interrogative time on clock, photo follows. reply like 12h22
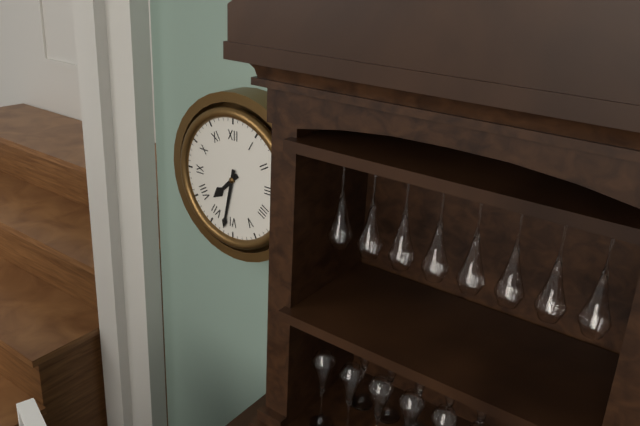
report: 7h32
